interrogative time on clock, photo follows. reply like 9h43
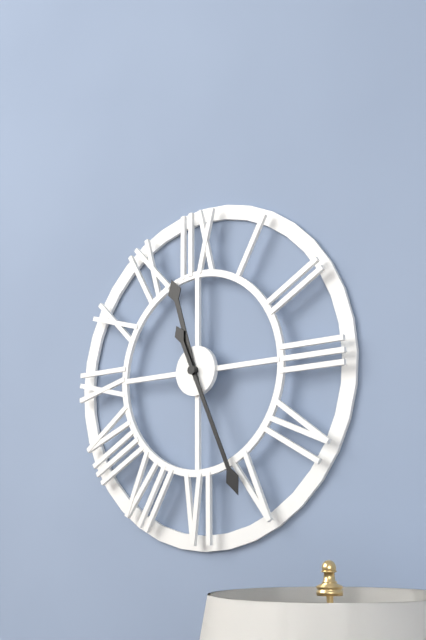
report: 11h26
